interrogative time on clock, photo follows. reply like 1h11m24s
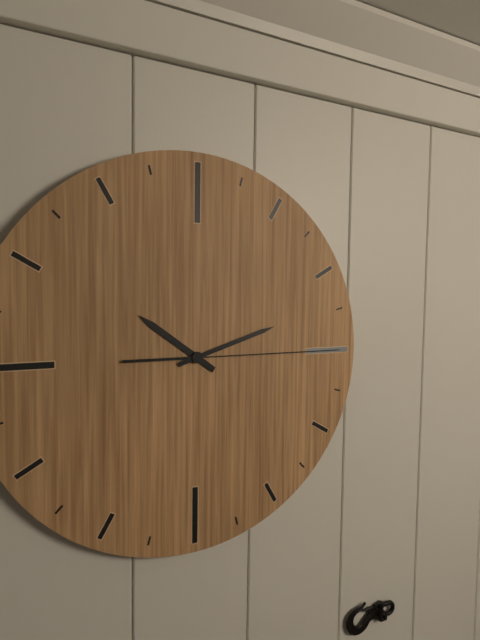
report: 10h12m15s
